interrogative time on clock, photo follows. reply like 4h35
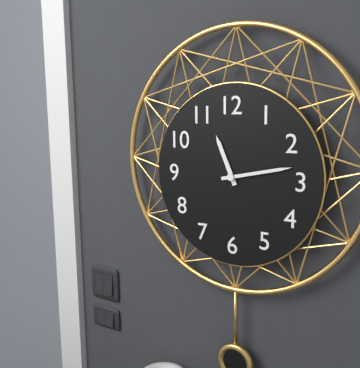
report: 11h13
